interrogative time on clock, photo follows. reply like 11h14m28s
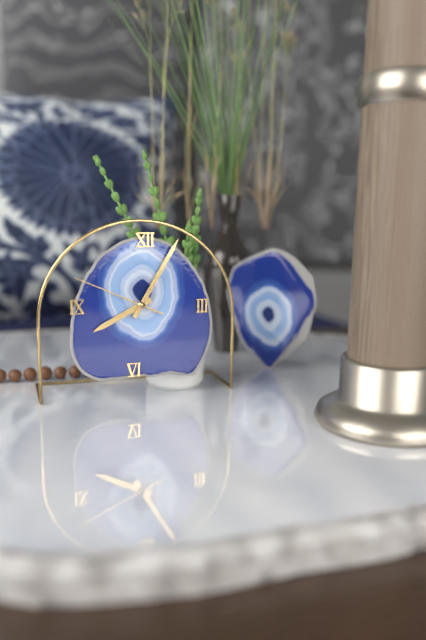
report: 8h05m49s
